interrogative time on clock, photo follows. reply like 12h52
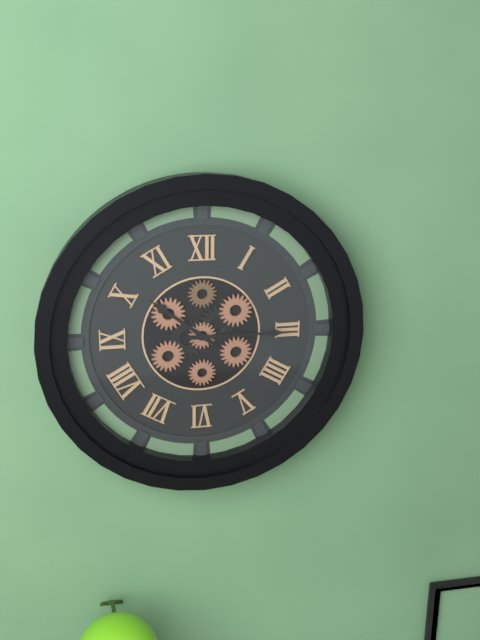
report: 10h15
